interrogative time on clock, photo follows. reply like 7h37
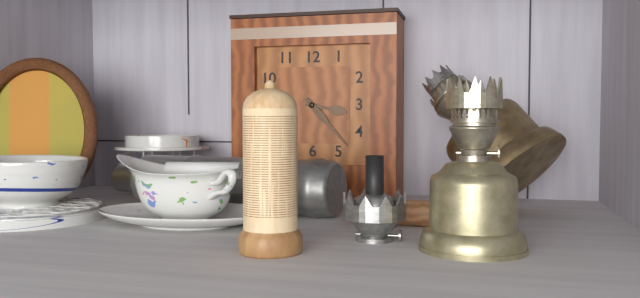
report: 3h23
